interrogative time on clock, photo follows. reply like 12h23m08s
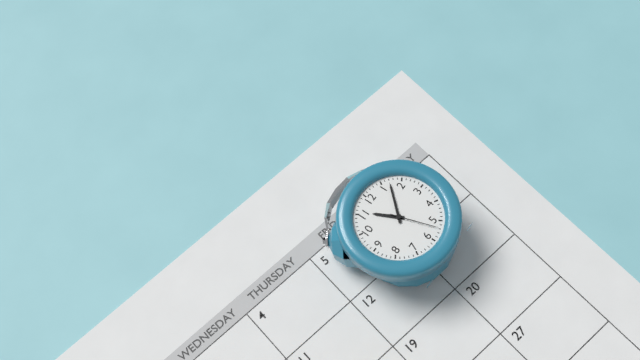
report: 11h07m27s
